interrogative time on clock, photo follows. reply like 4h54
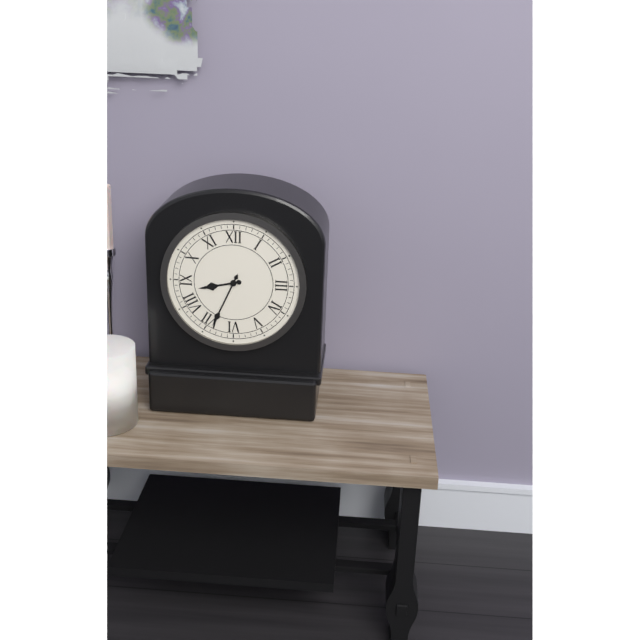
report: 8h34
